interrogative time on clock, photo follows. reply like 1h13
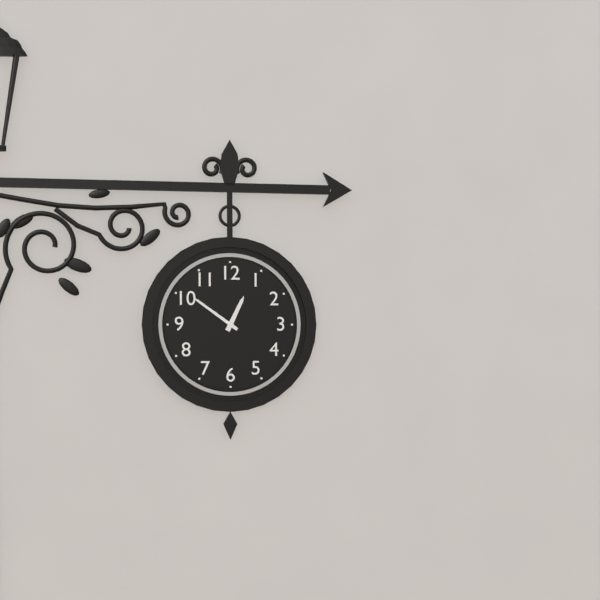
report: 12h51
